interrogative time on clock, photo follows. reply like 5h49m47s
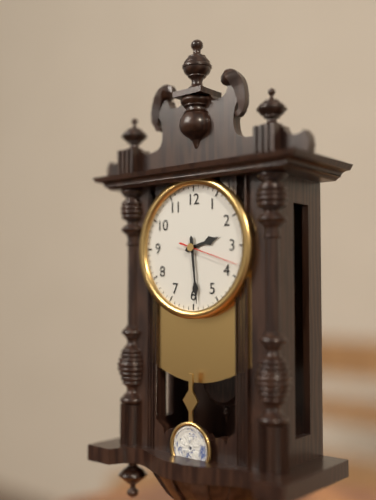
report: 2h29m18s
